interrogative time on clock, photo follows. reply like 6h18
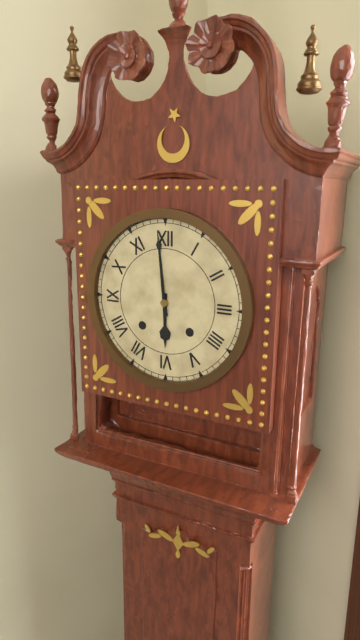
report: 5h59
